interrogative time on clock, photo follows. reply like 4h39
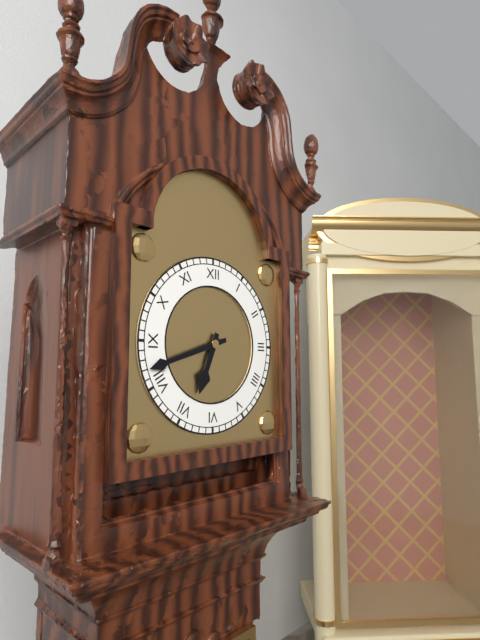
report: 6h42
